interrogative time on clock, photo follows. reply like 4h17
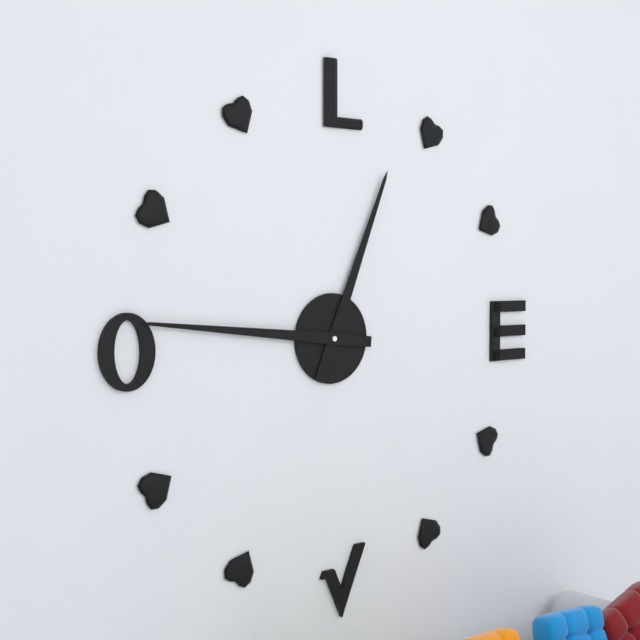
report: 12h46
